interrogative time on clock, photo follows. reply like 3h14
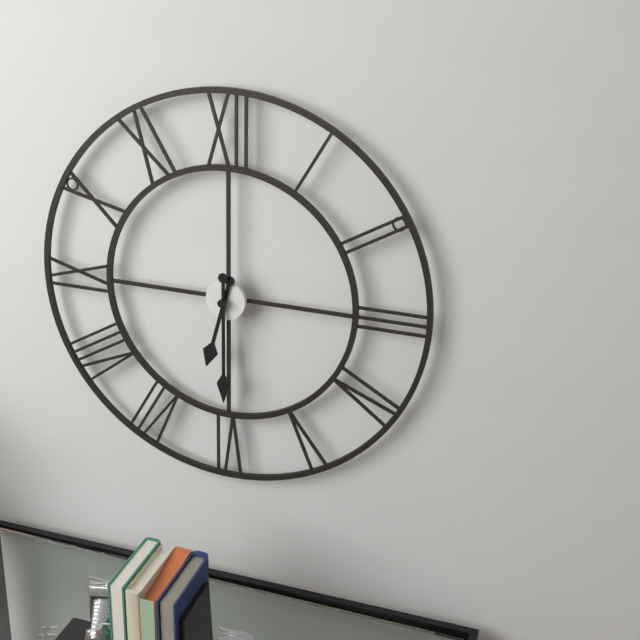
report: 6h30
